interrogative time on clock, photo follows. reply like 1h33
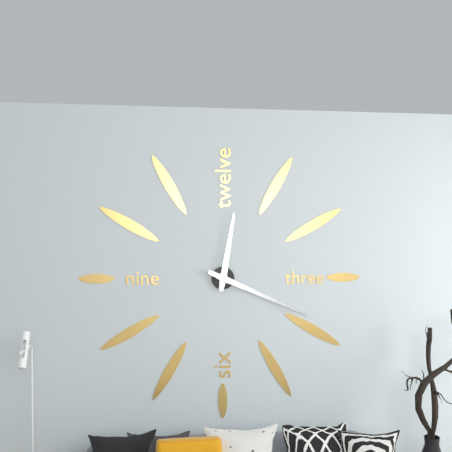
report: 12h19
